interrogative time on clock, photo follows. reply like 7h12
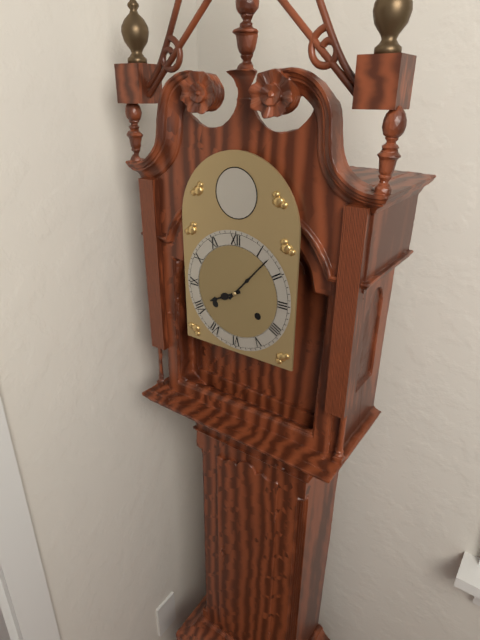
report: 8h07
